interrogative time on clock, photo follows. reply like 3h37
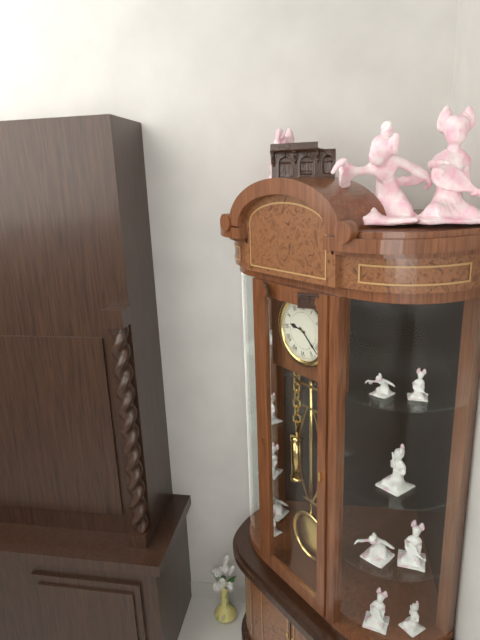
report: 9h22
